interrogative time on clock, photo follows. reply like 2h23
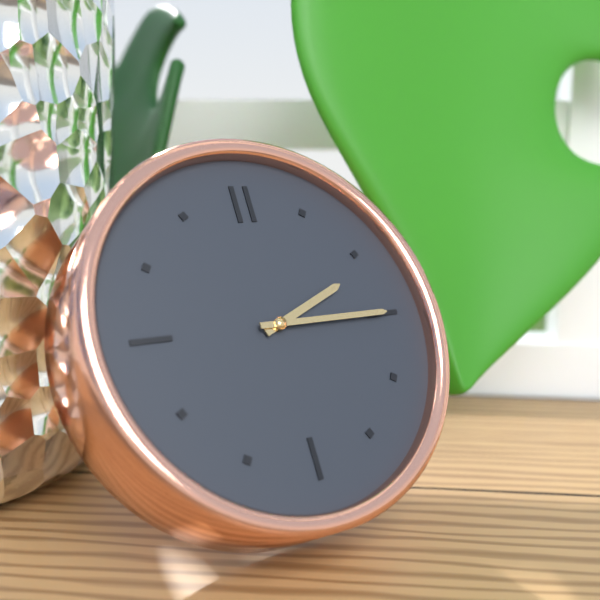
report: 2h15
